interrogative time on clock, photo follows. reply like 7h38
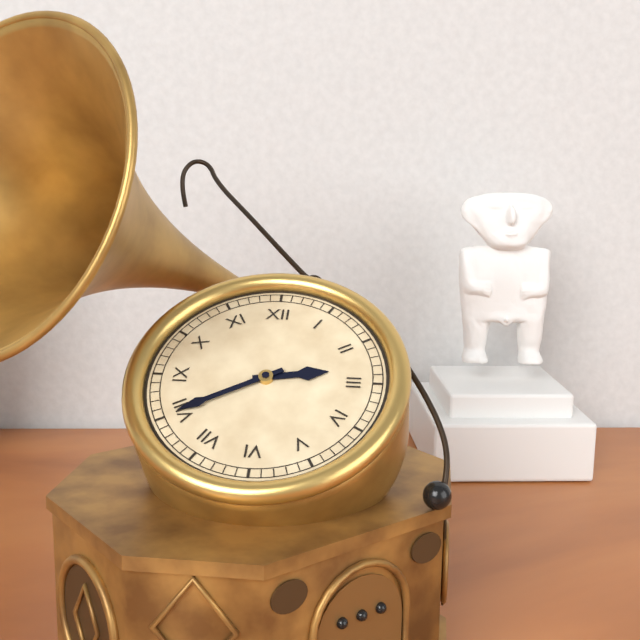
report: 2h40
